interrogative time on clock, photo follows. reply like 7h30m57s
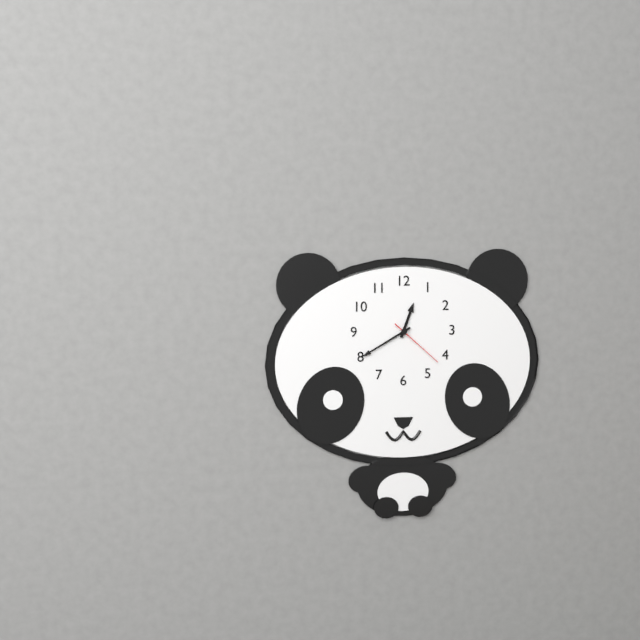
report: 12h40m22s
